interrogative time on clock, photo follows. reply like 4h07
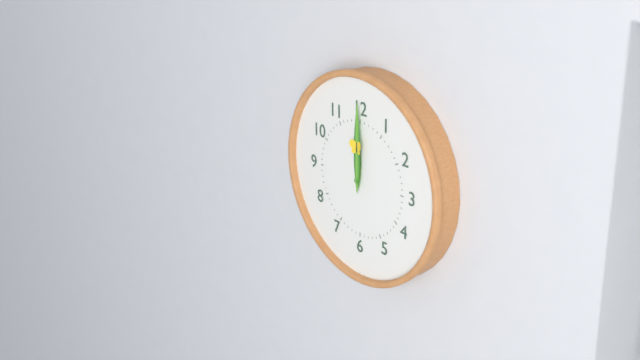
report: 12h00
